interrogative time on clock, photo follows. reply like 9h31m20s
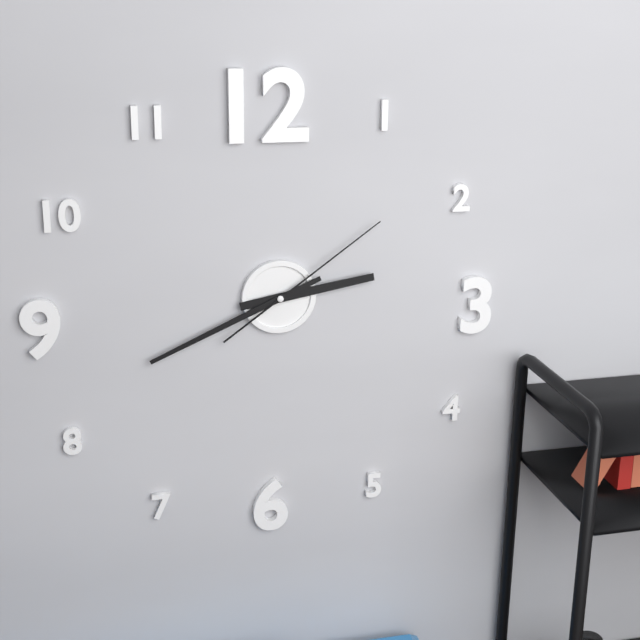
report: 2h41m09s
